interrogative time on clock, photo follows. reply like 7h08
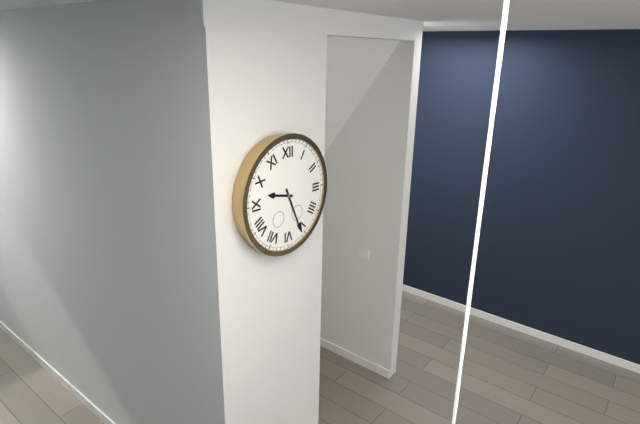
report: 9h26
